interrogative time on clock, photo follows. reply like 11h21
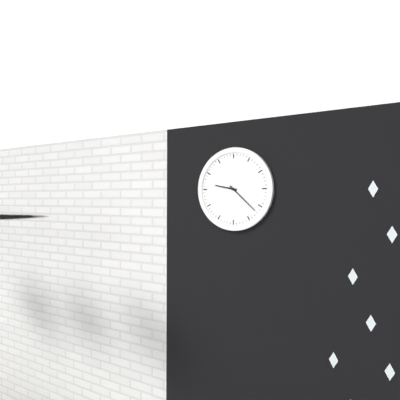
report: 9h22
